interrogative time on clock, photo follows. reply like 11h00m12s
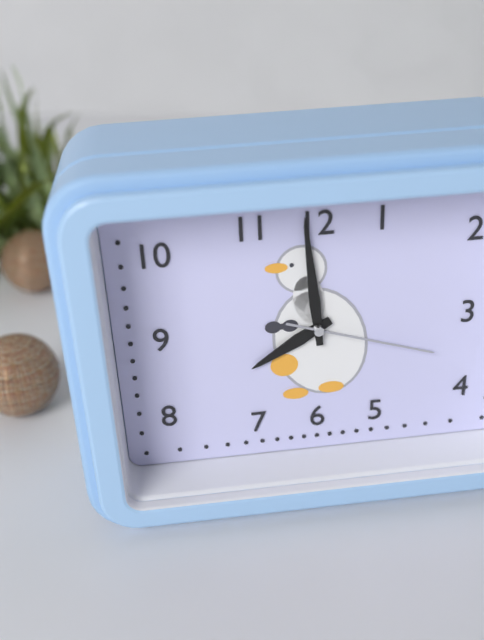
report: 7h59m18s
